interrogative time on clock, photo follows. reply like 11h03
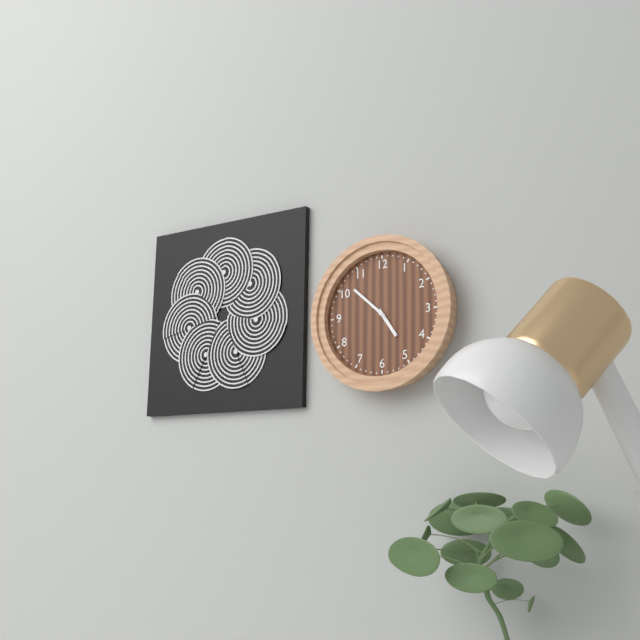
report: 4h52
